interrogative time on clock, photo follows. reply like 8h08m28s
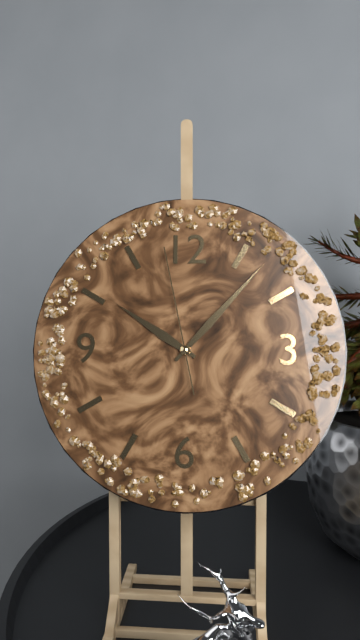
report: 10h07m58s
